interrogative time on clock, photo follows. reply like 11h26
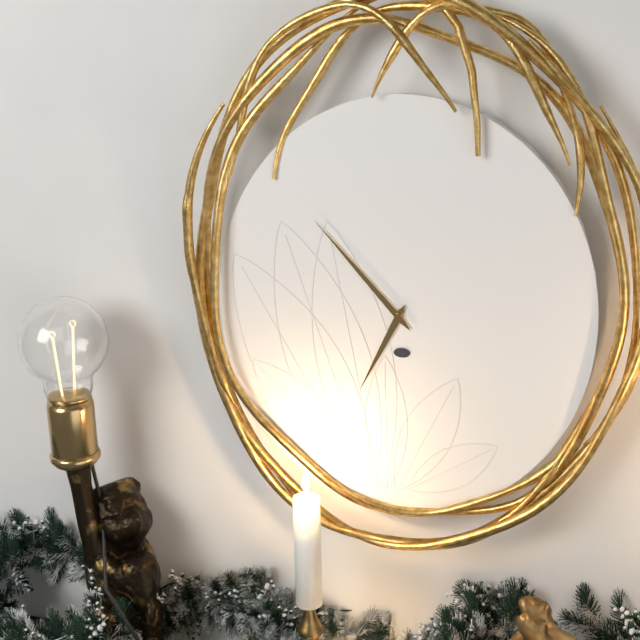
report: 6h53
